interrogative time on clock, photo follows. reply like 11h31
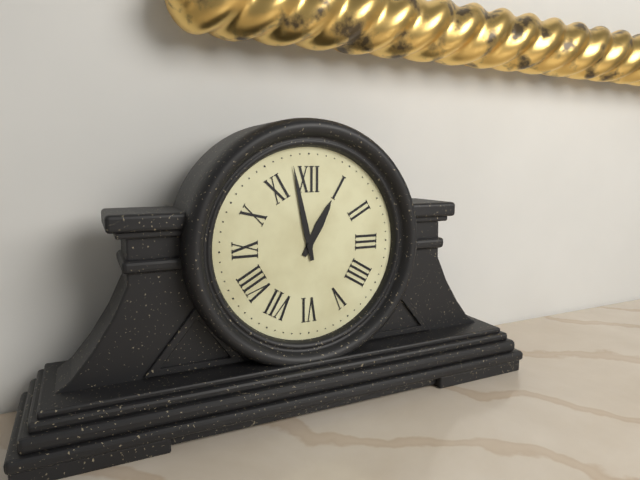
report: 12h58
